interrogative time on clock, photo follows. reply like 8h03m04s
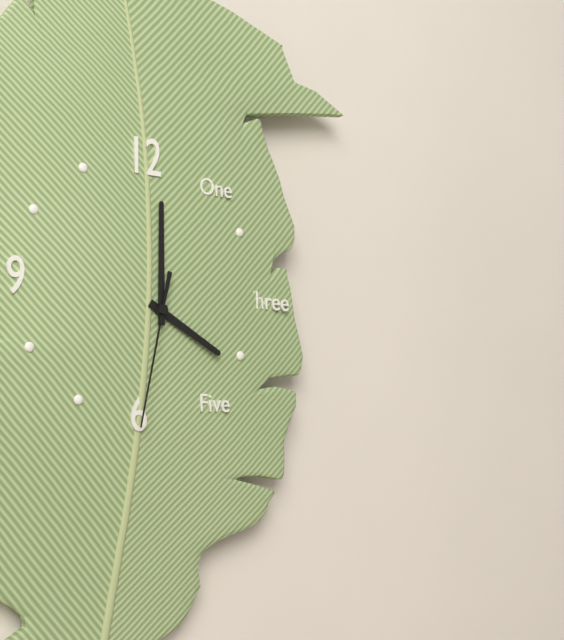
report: 4h00m32s
